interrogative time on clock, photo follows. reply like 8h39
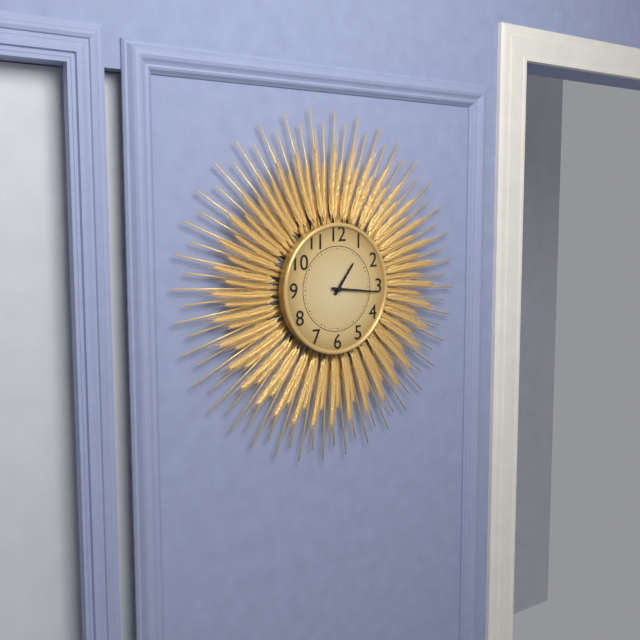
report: 1h16
